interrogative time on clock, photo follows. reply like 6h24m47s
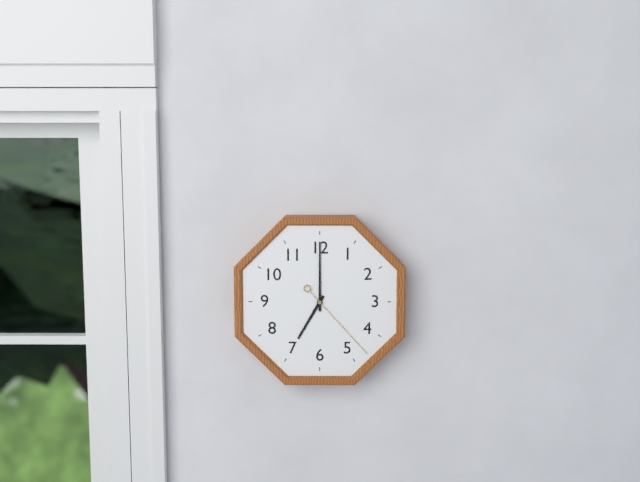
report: 7h00m23s
